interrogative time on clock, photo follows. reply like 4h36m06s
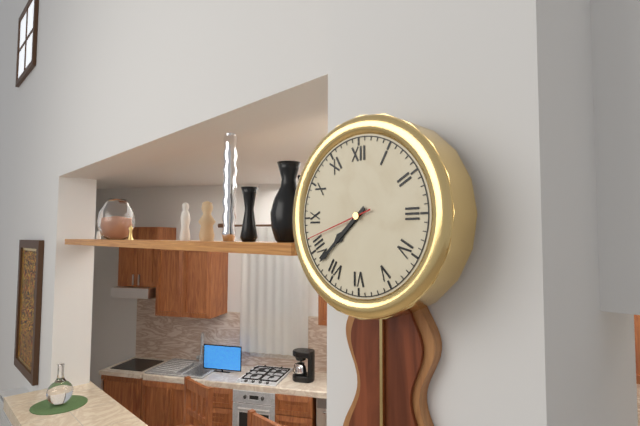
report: 7h38m42s
